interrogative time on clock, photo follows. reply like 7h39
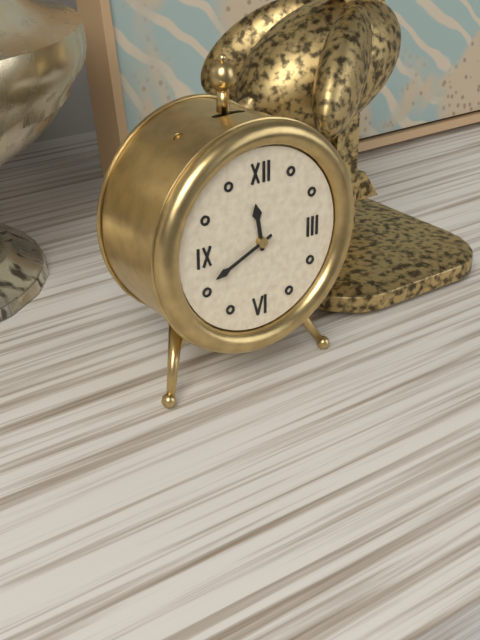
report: 11h41
